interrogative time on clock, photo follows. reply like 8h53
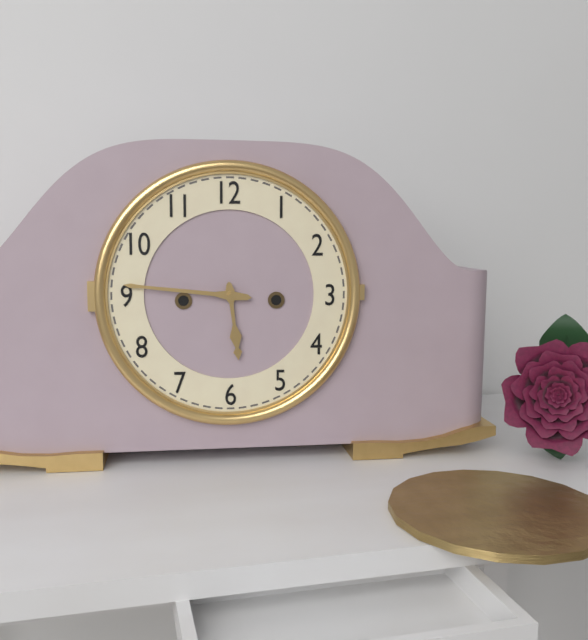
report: 5h46
